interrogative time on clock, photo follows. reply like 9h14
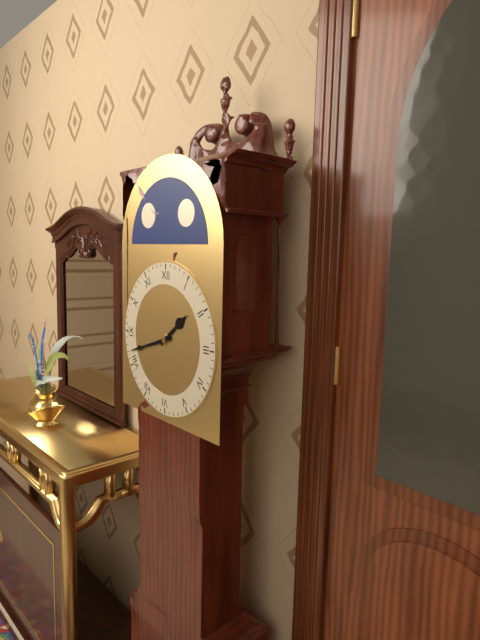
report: 1h42
